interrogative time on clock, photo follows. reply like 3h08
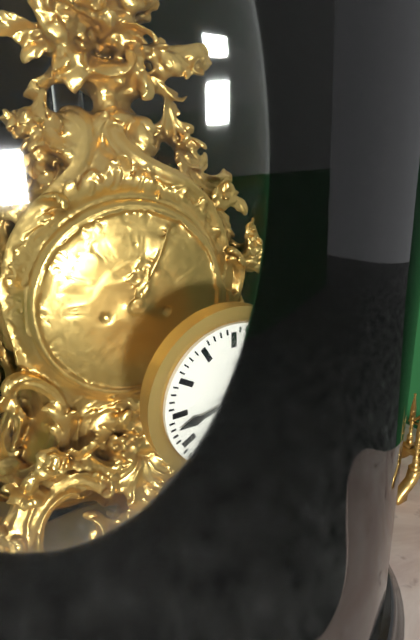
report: 12h43
